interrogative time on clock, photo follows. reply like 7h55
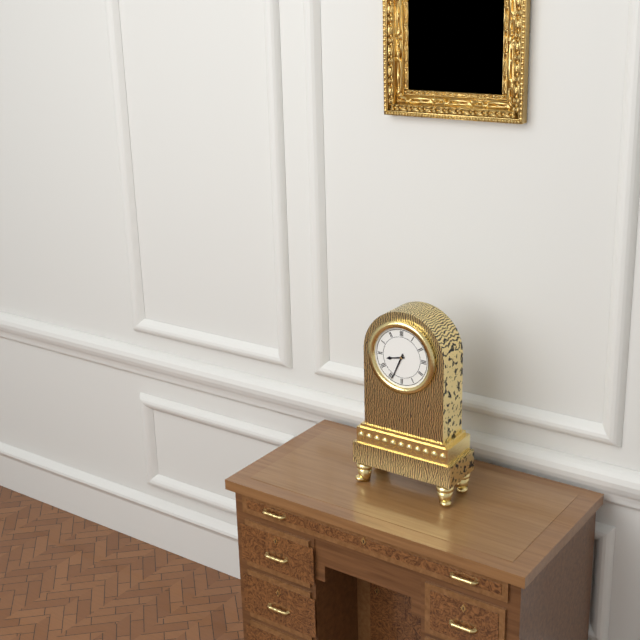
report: 8h34
